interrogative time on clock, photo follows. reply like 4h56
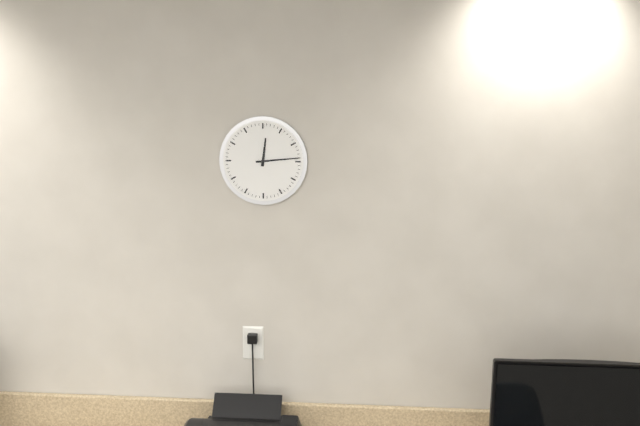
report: 12h14
